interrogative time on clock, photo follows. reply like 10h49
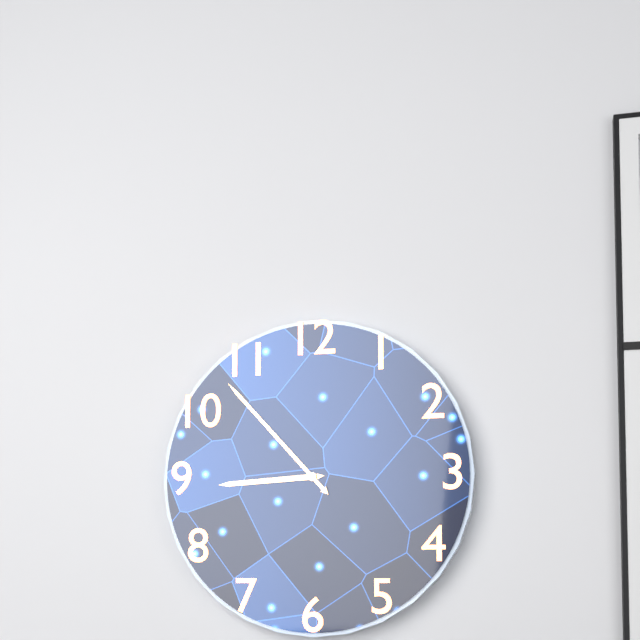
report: 8h53
